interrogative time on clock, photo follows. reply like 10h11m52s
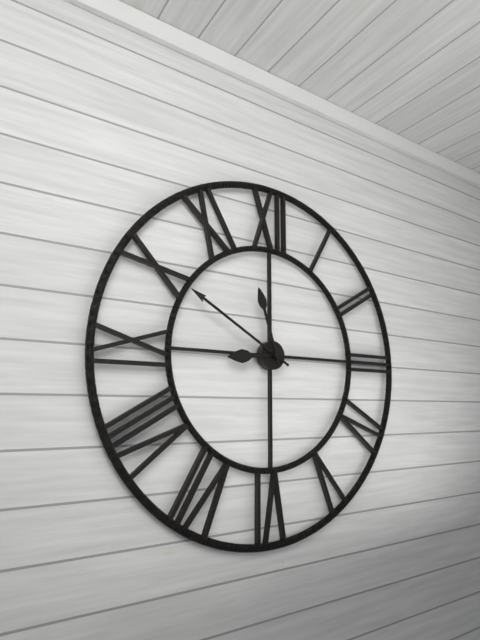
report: 8h50m57s
